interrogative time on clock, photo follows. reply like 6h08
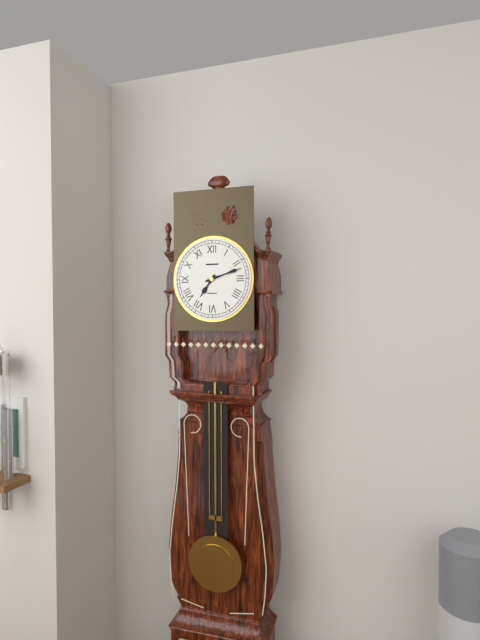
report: 7h12
